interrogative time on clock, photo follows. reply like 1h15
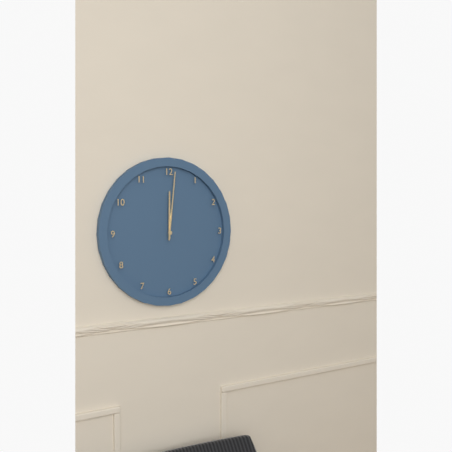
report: 12h01
